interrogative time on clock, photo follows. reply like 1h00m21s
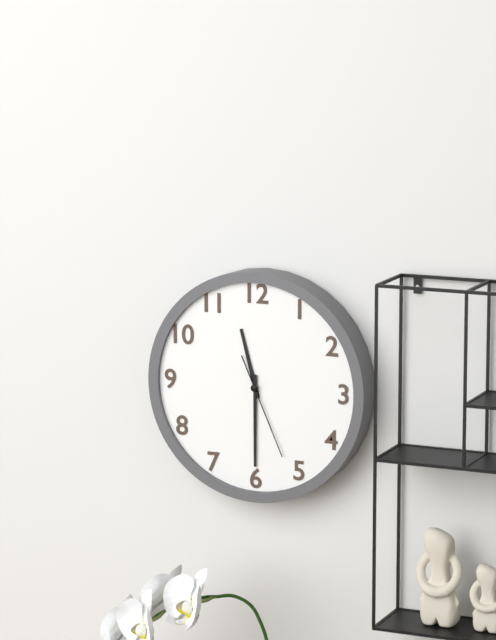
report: 11h30m26s
